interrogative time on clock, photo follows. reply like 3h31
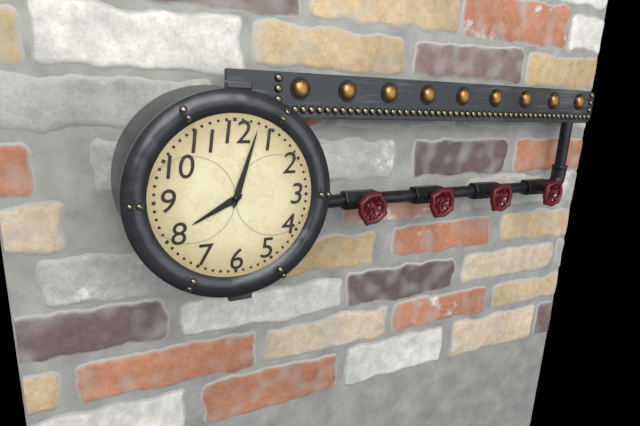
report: 8h03
